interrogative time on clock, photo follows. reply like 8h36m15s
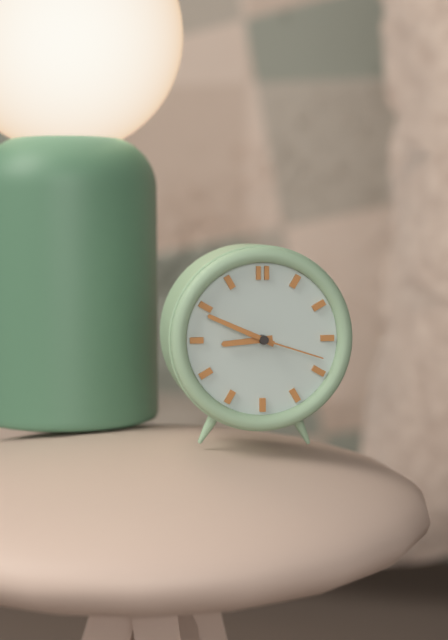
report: 8h49m18s
